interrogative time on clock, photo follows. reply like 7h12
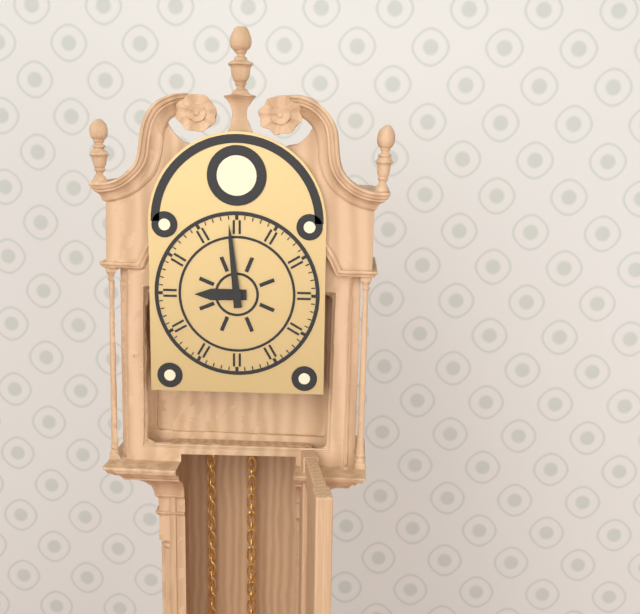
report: 8h59
